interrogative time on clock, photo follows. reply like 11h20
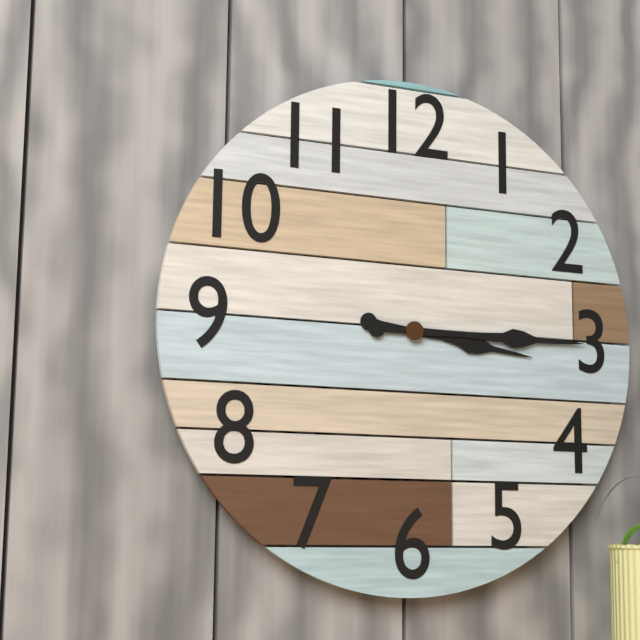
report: 3h15
